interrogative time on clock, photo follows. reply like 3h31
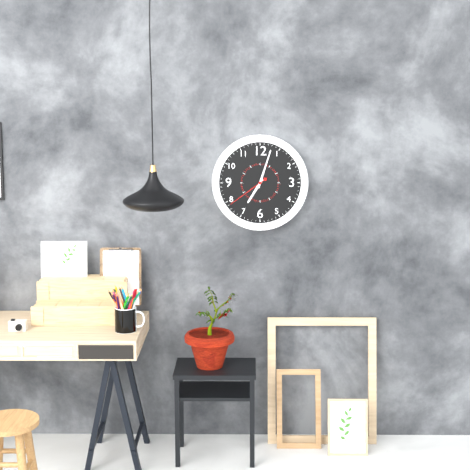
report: 7h03
